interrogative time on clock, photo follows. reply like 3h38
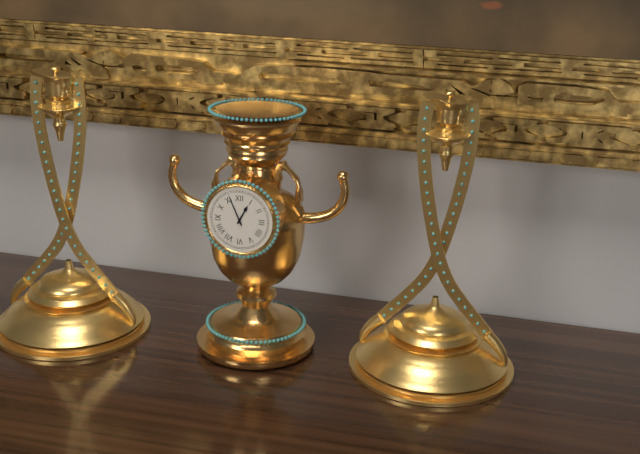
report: 12h56
